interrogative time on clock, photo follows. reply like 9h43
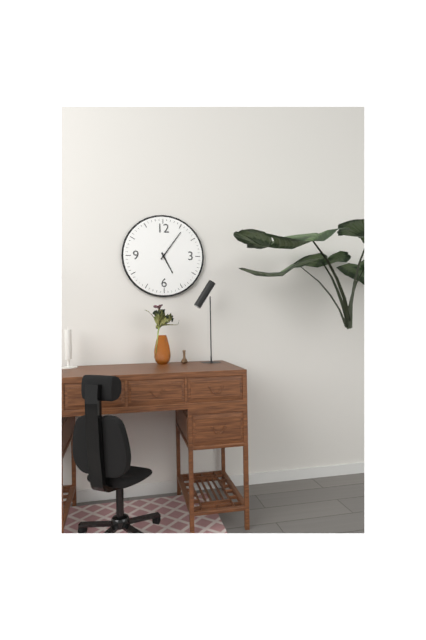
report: 5h06
